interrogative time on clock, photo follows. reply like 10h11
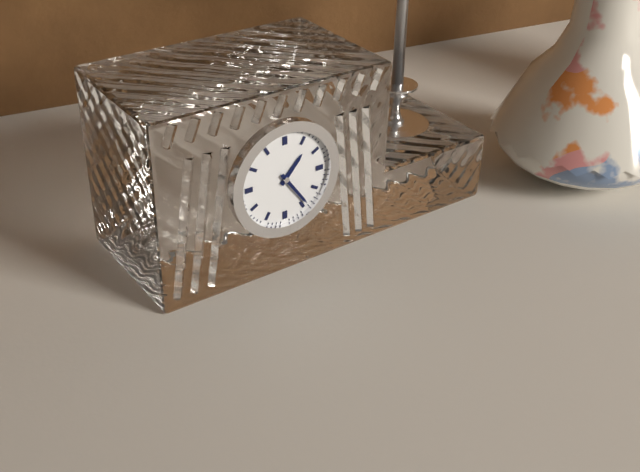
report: 1h24
